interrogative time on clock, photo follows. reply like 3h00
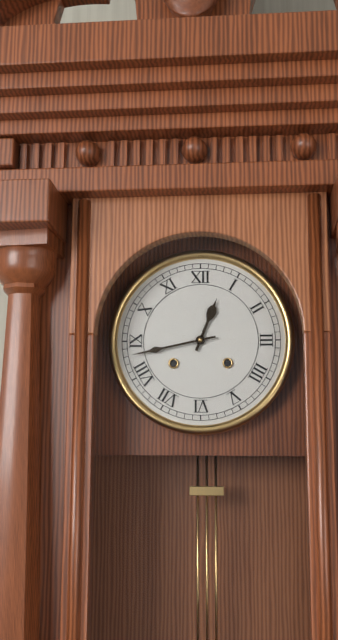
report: 12h43
